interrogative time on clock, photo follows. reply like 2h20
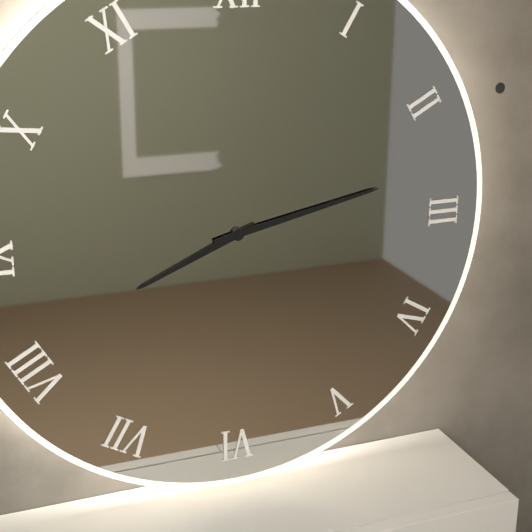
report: 8h13
